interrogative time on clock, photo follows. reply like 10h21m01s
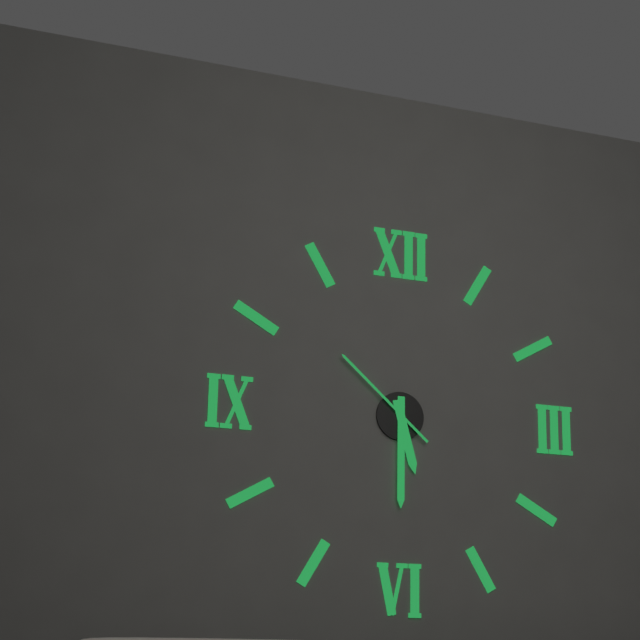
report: 5h30m52s
